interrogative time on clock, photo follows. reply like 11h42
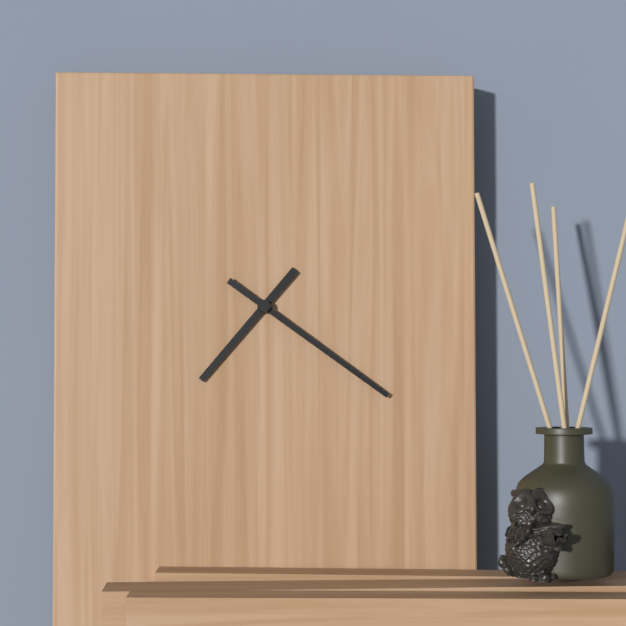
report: 7h21
